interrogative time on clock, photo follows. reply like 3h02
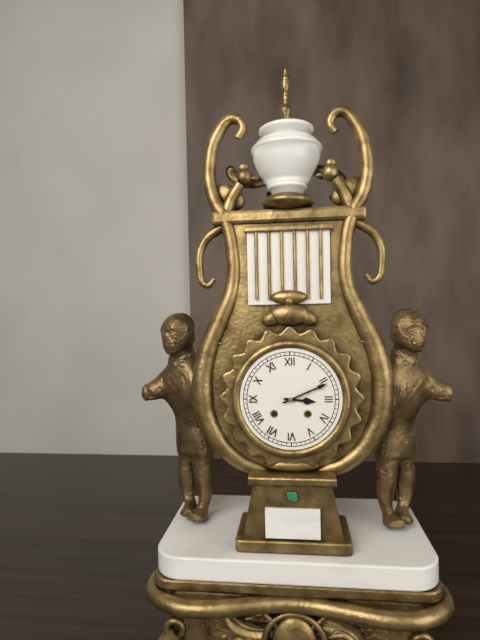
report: 3h11
